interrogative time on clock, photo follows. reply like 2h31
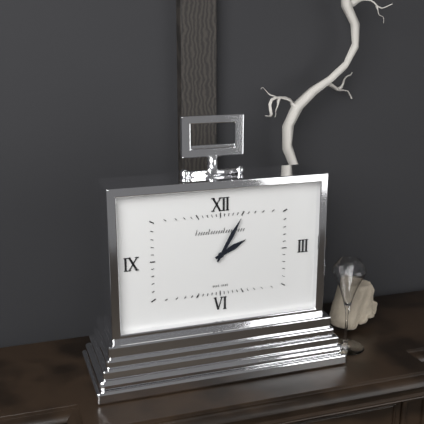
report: 2h05
